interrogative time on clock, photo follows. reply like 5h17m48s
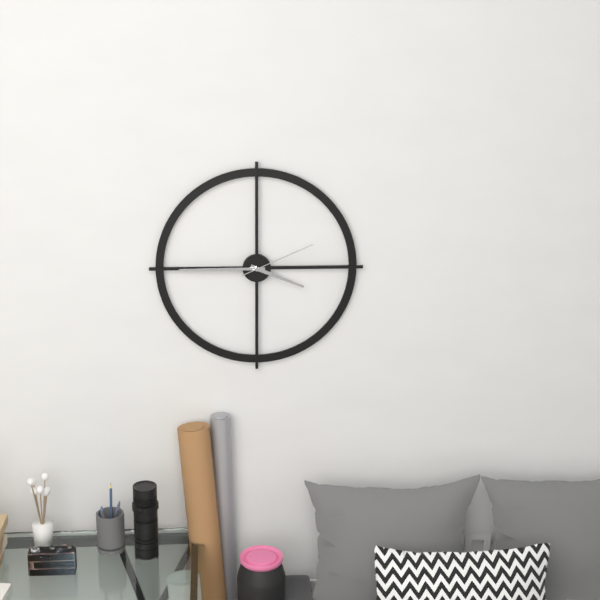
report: 3h45m11s
